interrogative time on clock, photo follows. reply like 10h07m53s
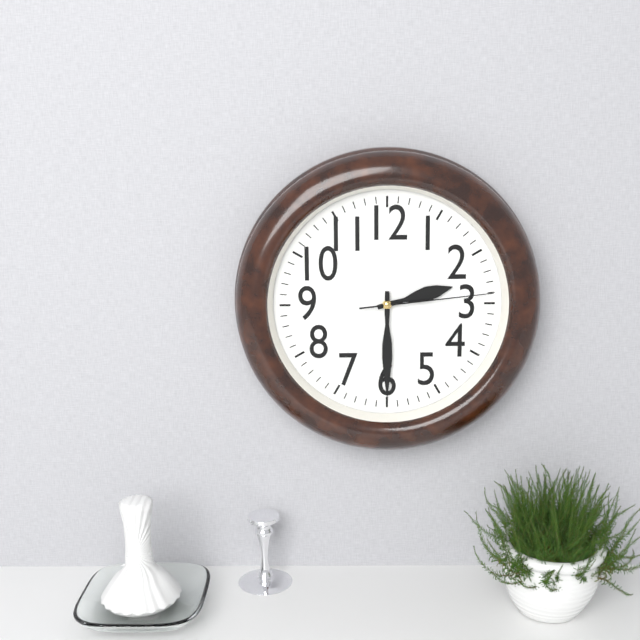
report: 2h30m14s
